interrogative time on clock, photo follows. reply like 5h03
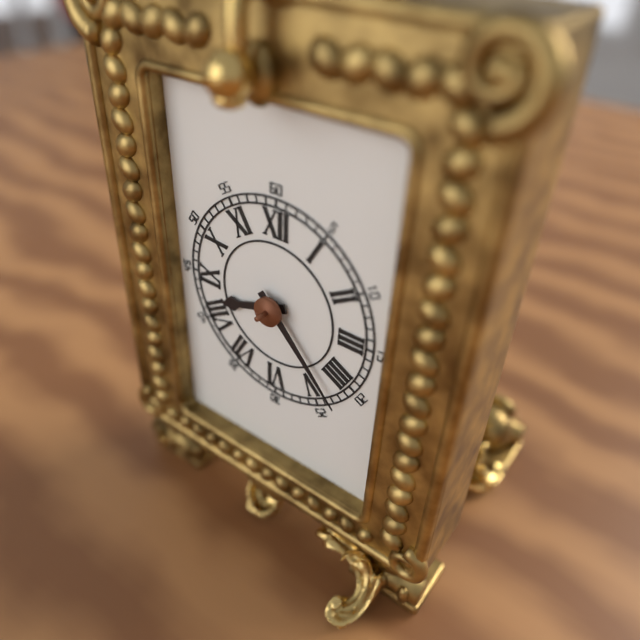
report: 8h23
